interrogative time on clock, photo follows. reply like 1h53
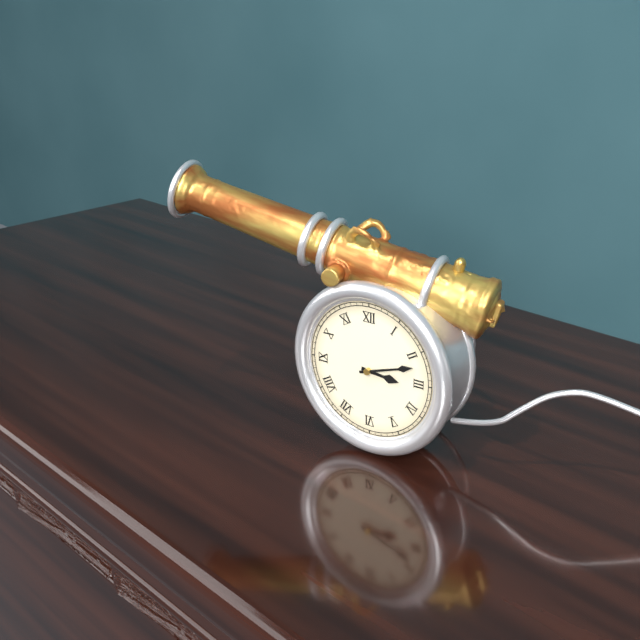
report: 3h12
